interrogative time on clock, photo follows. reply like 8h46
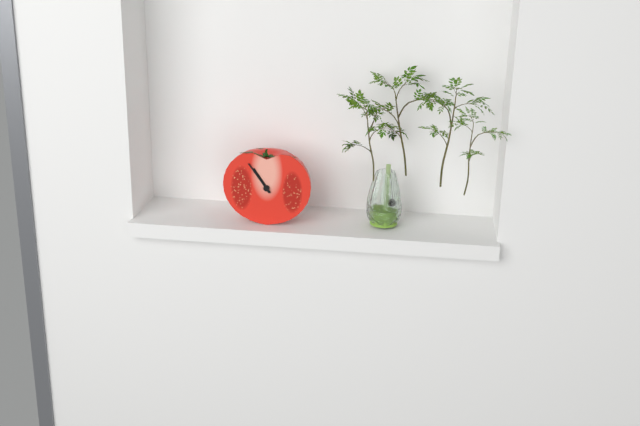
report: 10h54
